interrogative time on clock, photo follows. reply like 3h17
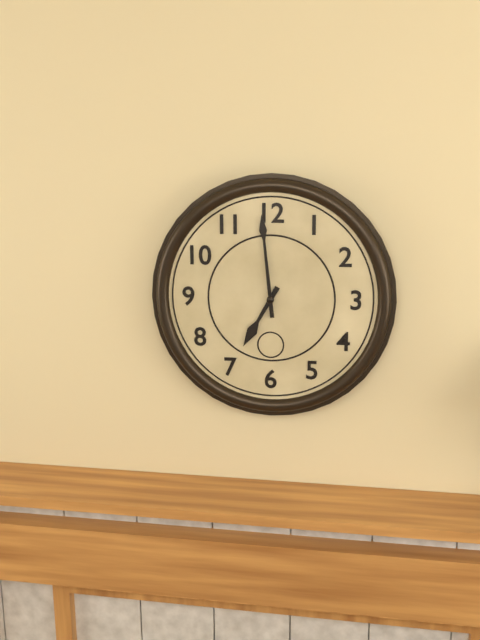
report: 6h59
